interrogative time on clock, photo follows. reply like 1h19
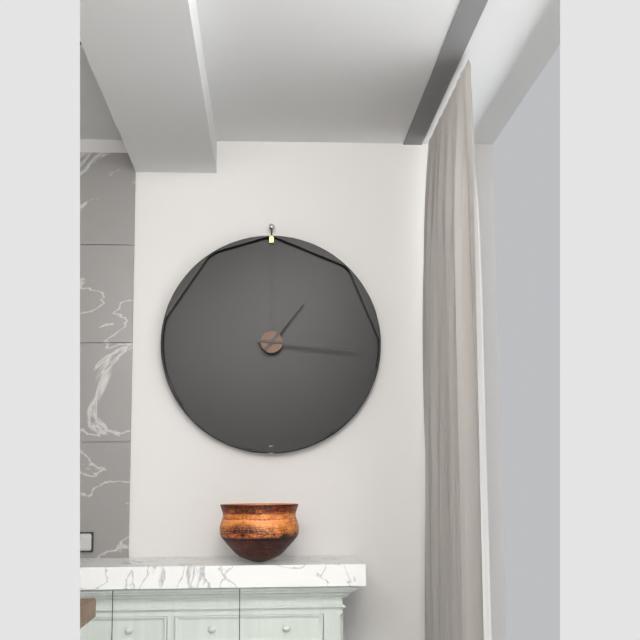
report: 1h16
